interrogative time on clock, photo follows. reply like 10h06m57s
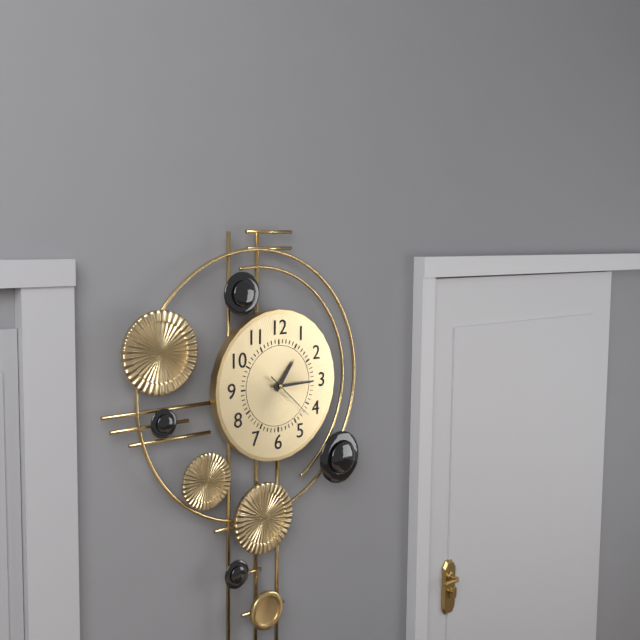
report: 1h15m22s
